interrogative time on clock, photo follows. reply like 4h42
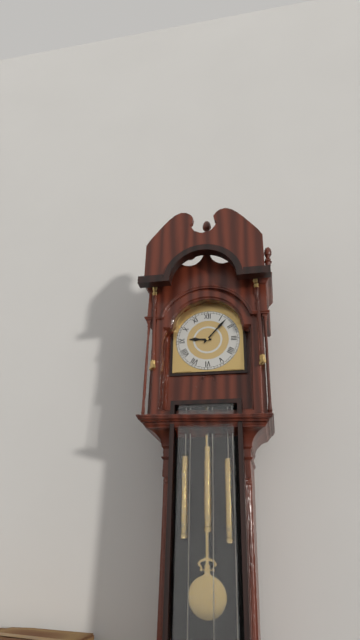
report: 9h07
